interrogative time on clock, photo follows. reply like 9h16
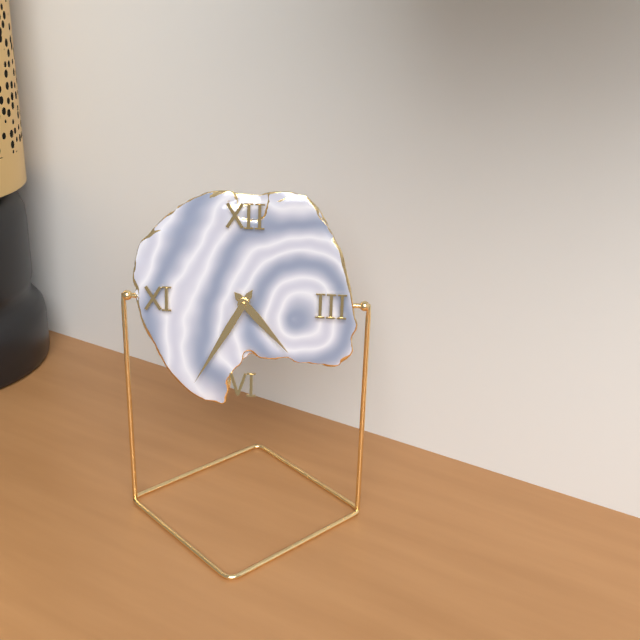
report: 4h35
